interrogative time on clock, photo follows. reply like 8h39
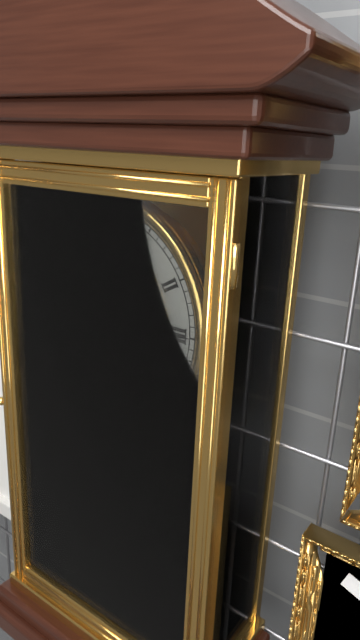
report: 6h15
